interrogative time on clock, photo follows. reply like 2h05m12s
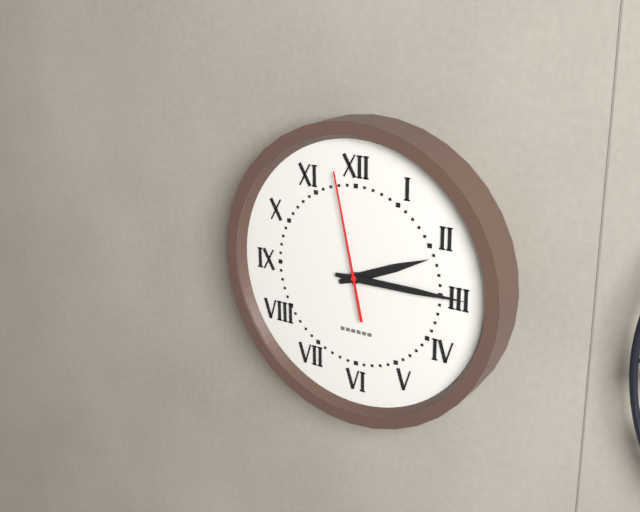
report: 2h15m58s
